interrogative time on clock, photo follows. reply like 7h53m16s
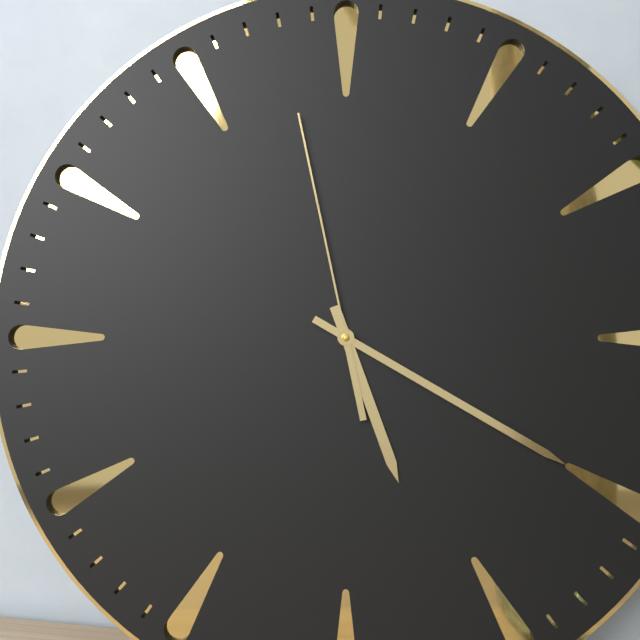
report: 5h20m58s
